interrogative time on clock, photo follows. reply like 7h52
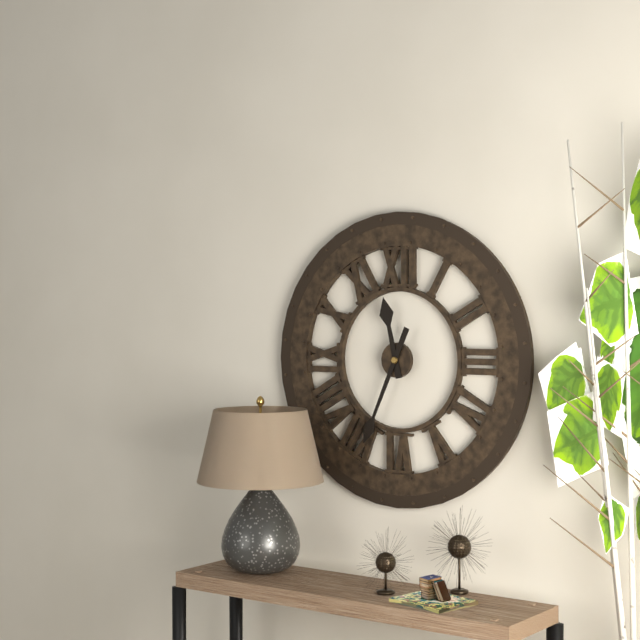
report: 11h34
